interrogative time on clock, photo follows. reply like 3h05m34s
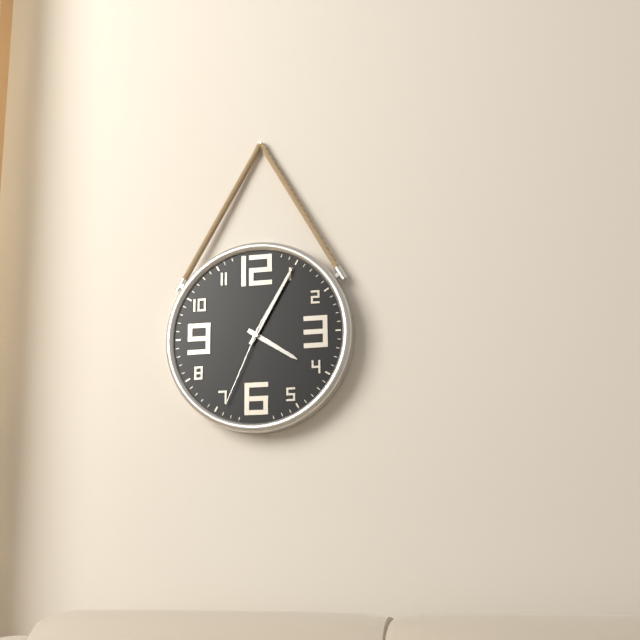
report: 4h05m34s
